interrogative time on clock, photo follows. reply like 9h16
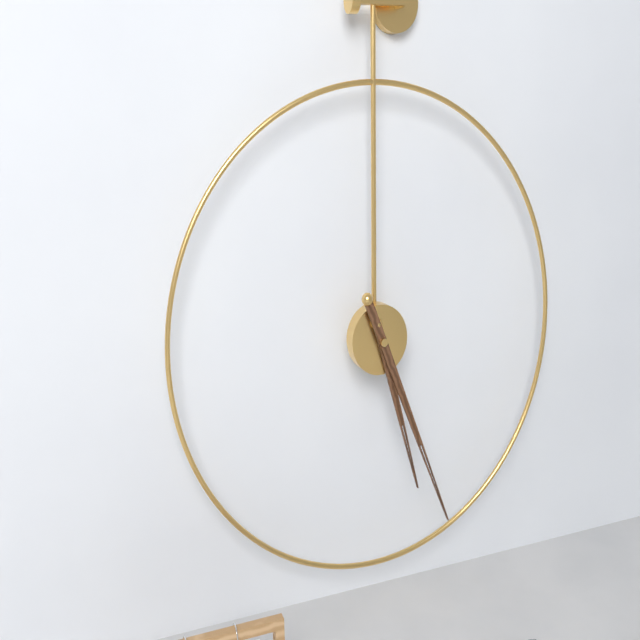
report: 5h26
